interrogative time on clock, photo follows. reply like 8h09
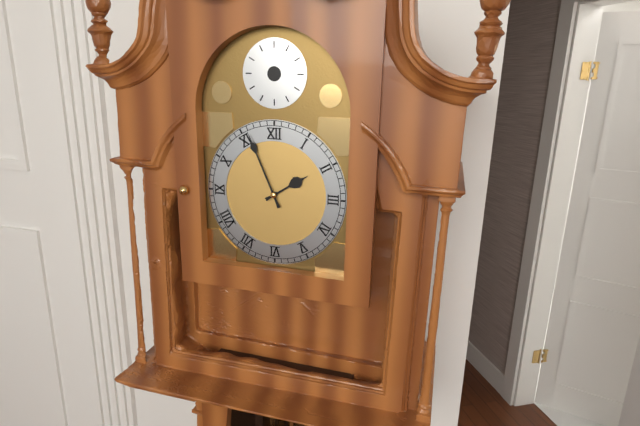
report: 1h56
